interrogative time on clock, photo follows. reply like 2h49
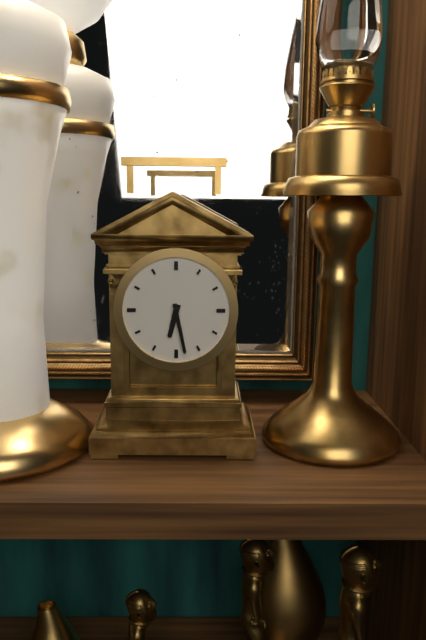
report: 6h28
